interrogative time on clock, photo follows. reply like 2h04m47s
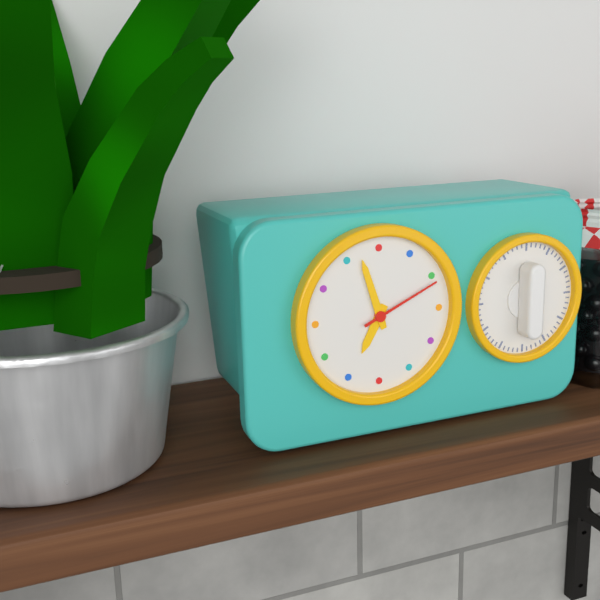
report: 6h57m11s
